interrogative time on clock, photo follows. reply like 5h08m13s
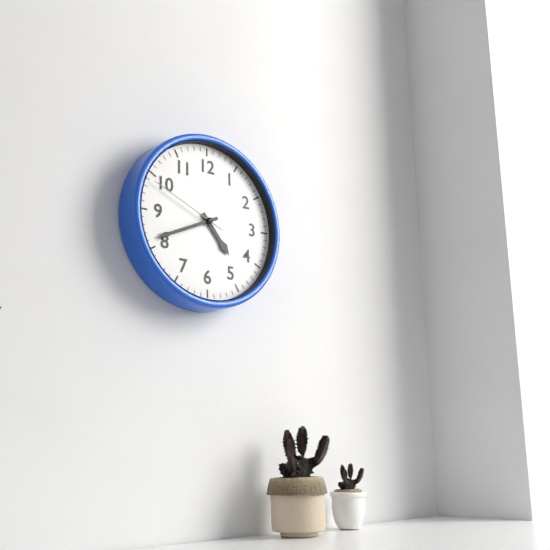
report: 4h41m49s
